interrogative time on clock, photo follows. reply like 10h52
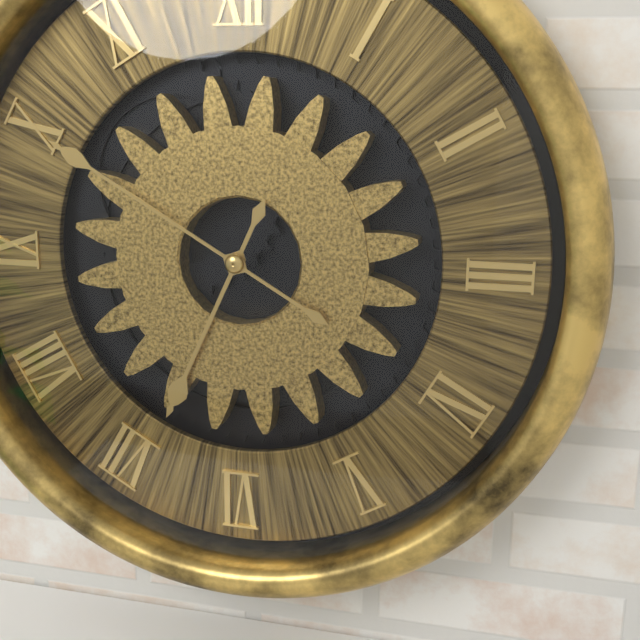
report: 6h50
